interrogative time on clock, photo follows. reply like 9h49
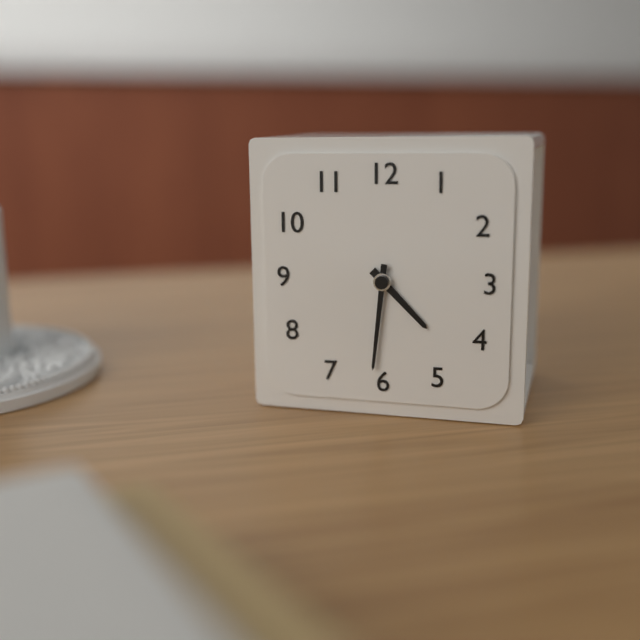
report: 4h31
